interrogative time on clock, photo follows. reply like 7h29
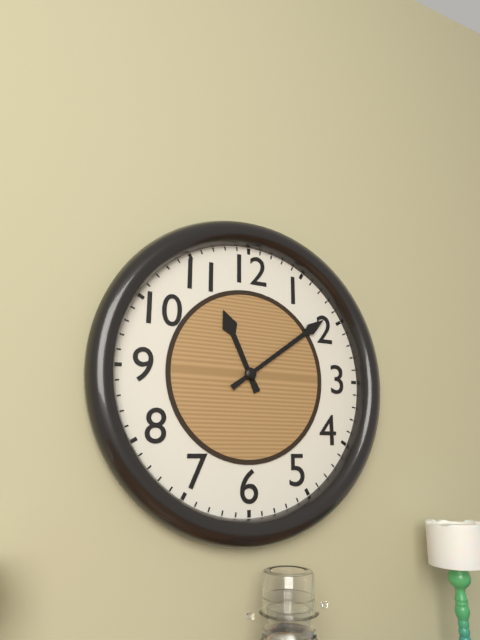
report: 11h09
